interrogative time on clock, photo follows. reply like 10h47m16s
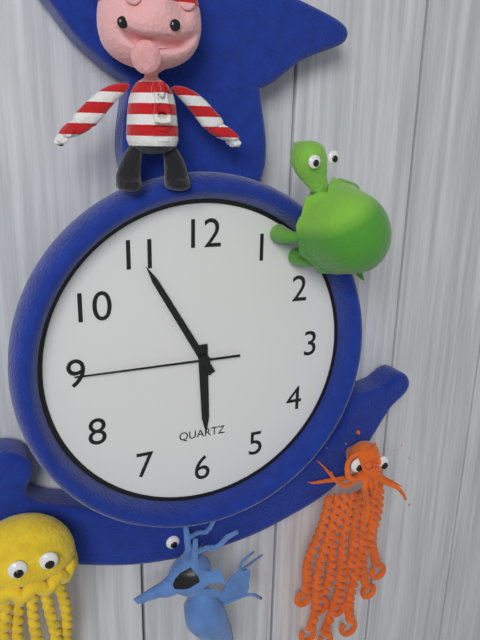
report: 5h55m45s
